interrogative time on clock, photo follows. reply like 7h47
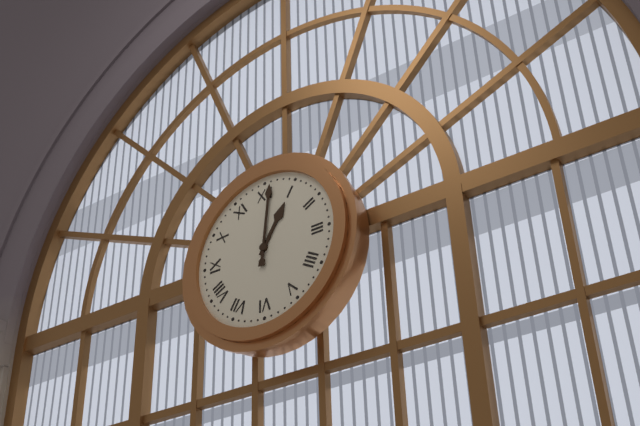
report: 1h01
